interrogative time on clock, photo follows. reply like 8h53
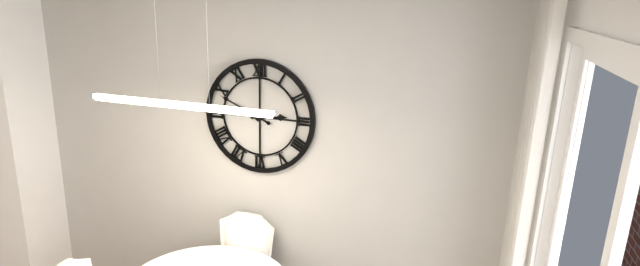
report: 2h49
